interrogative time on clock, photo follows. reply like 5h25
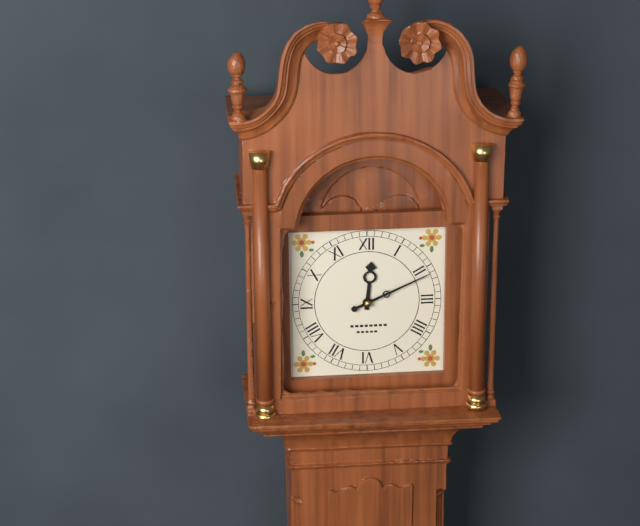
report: 12h11
